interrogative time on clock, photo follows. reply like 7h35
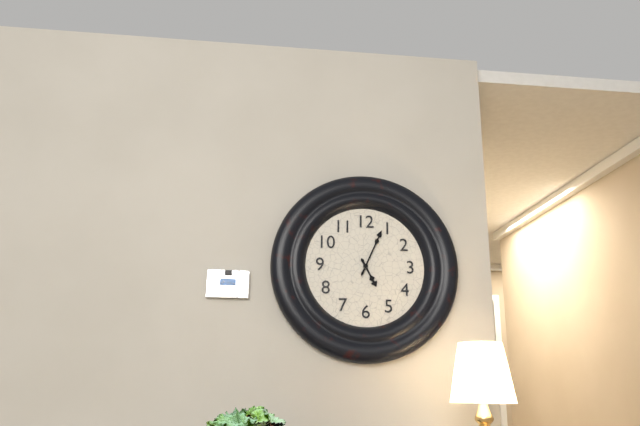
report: 5h04
